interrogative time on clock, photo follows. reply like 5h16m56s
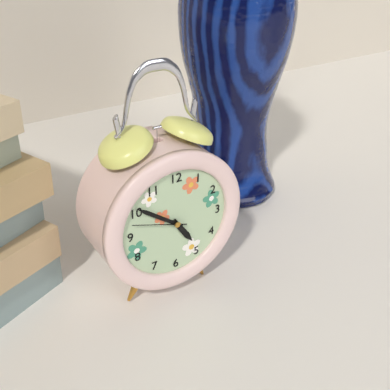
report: 4h51m48s
